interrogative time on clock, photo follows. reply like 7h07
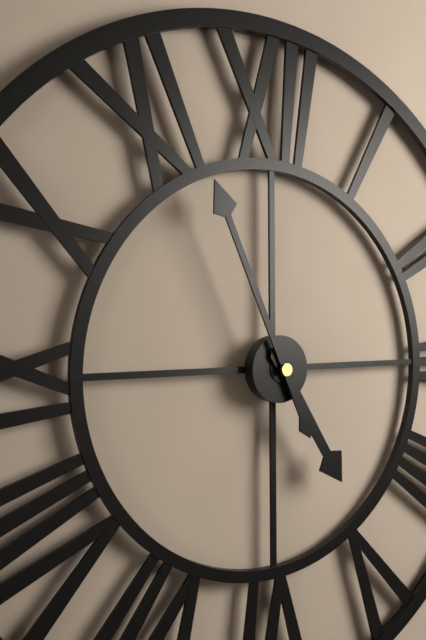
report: 4h56
